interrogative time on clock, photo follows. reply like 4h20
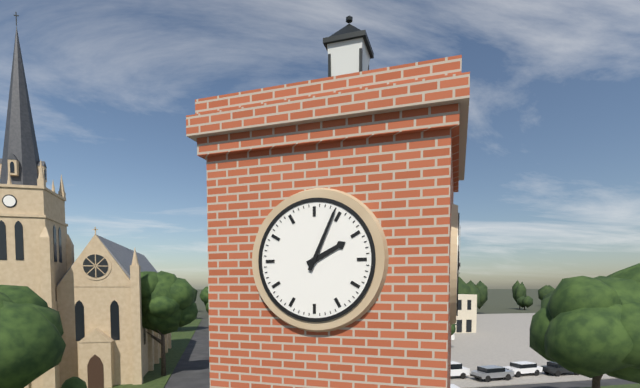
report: 2h04
